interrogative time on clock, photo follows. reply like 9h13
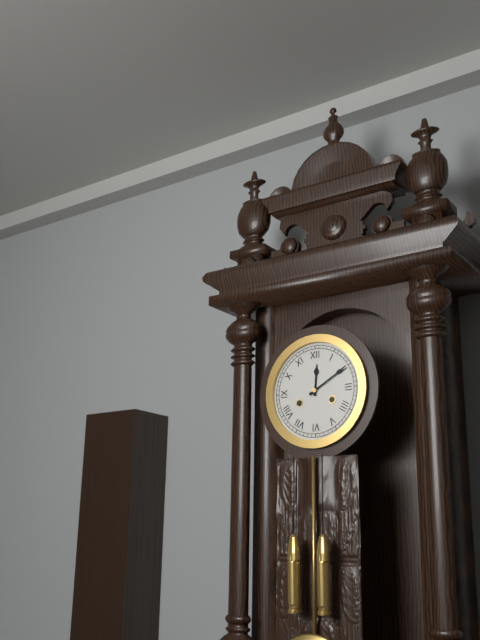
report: 12h10
